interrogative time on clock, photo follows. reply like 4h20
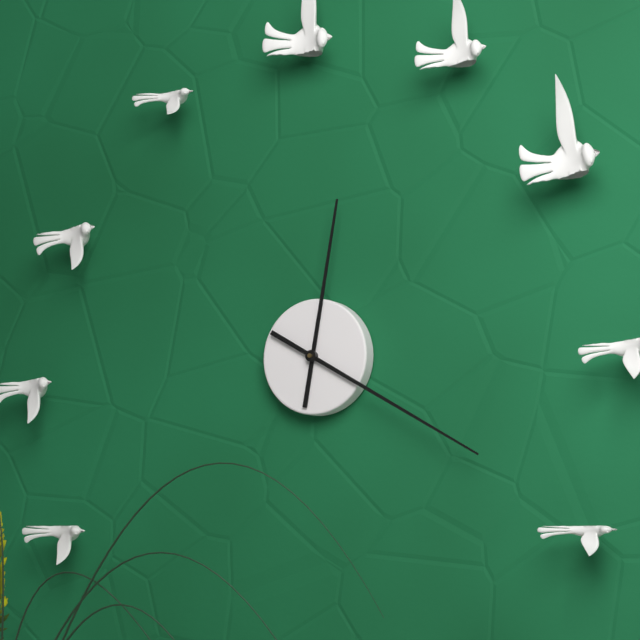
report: 12h20
